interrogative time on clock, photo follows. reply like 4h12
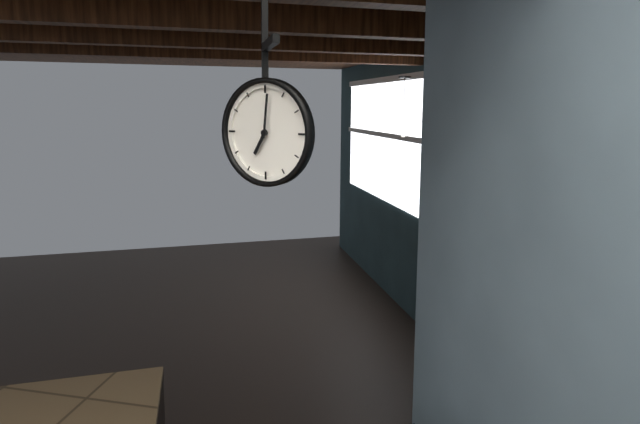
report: 7h01
